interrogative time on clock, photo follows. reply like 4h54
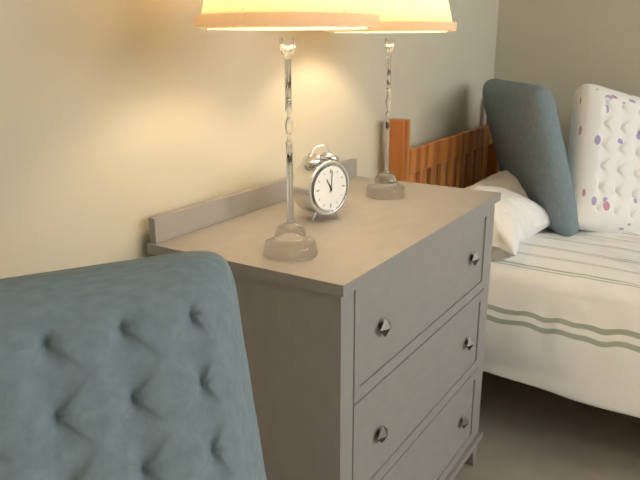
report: 11h01
